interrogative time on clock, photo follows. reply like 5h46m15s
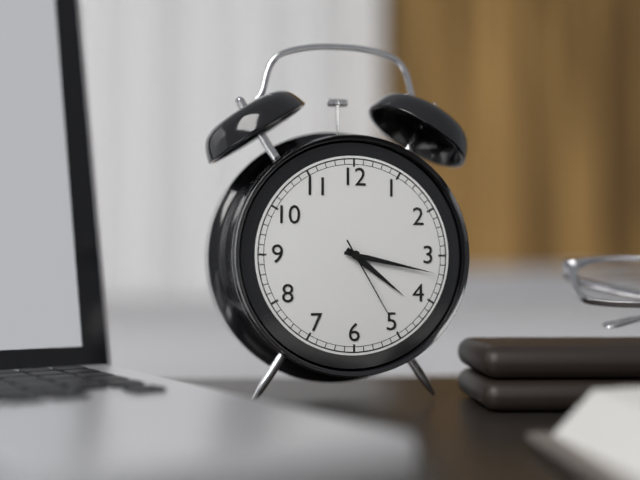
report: 4h17m25s
